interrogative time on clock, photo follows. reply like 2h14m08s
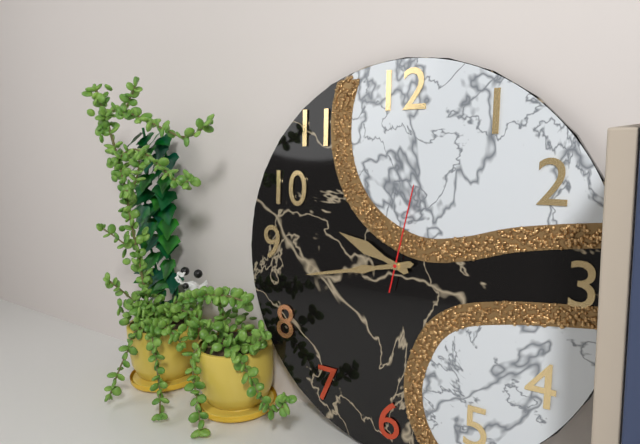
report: 9h43m02s
